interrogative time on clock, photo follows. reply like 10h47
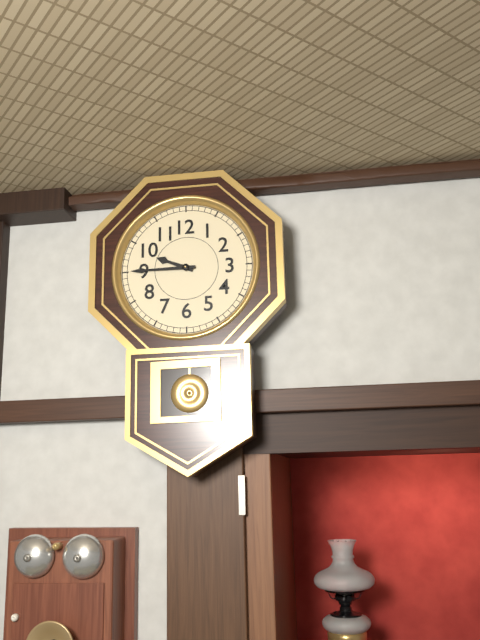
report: 9h45
